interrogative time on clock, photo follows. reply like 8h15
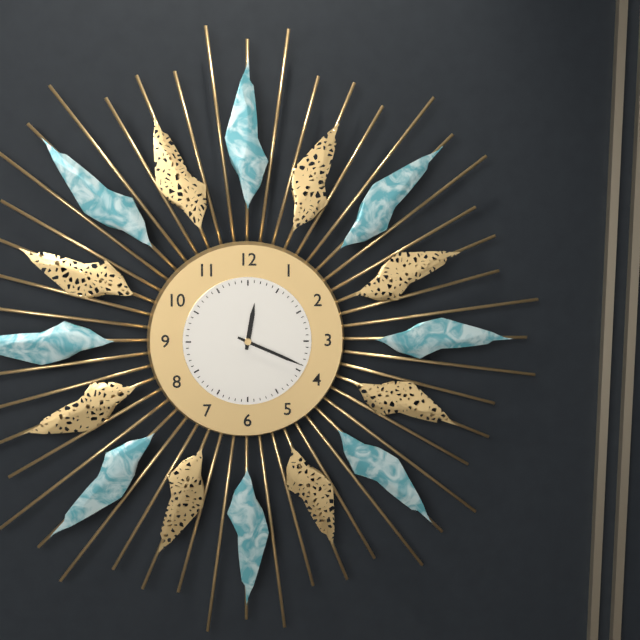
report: 12h19
